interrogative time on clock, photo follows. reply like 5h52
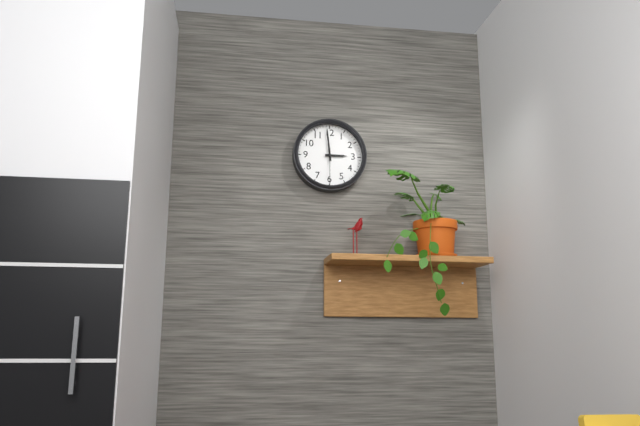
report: 2h59
